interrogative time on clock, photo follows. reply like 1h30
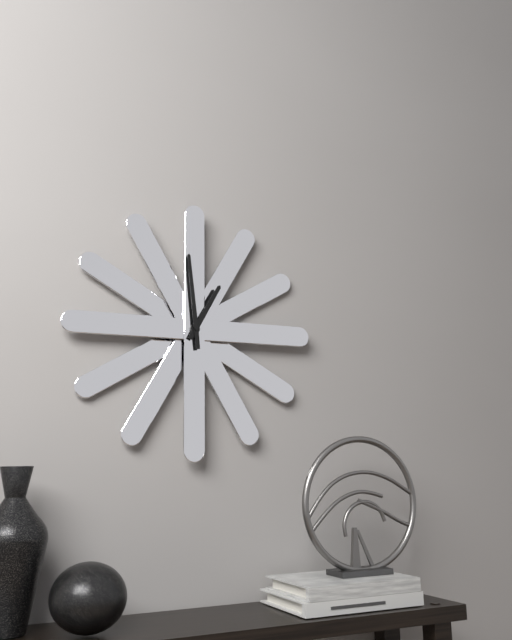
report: 12h59
